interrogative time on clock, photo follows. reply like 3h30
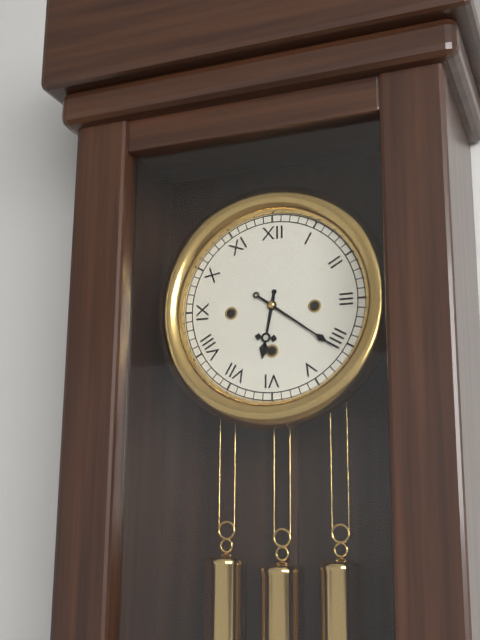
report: 6h21
